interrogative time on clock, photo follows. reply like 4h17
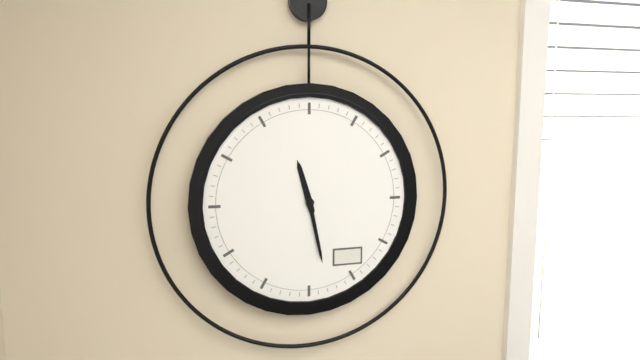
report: 11h28
